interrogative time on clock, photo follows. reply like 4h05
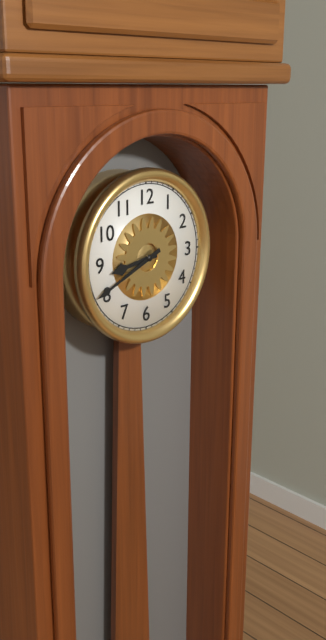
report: 8h41
